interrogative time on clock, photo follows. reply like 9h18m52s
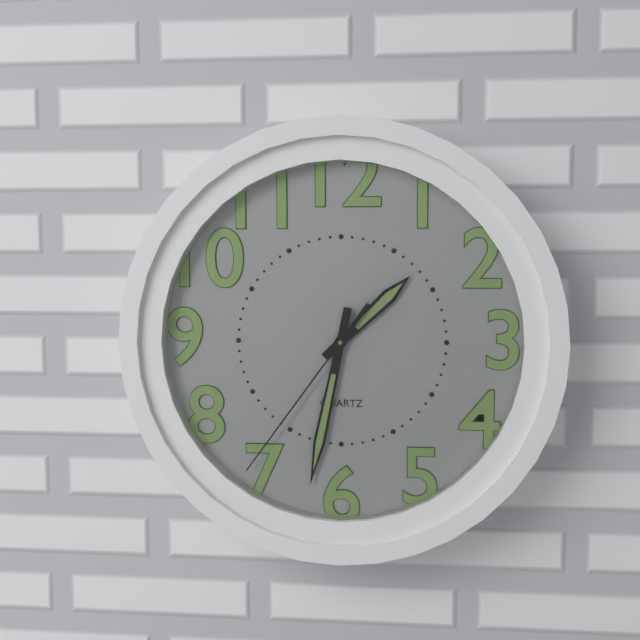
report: 1h32m36s
